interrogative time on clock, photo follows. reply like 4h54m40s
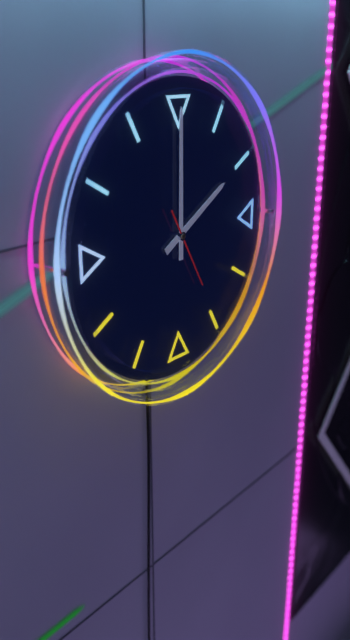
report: 2h00m25s
